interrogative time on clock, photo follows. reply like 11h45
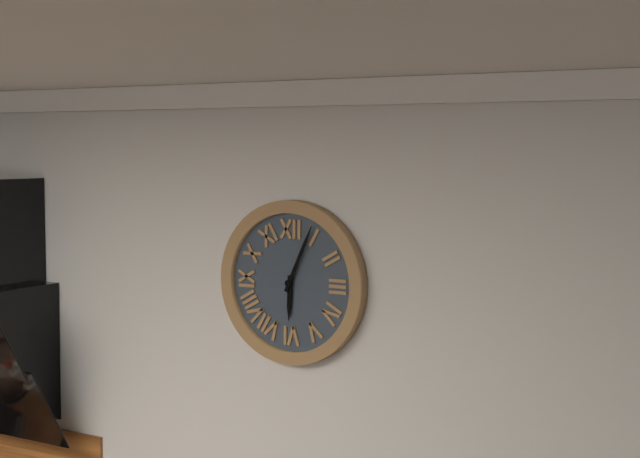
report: 6h04
